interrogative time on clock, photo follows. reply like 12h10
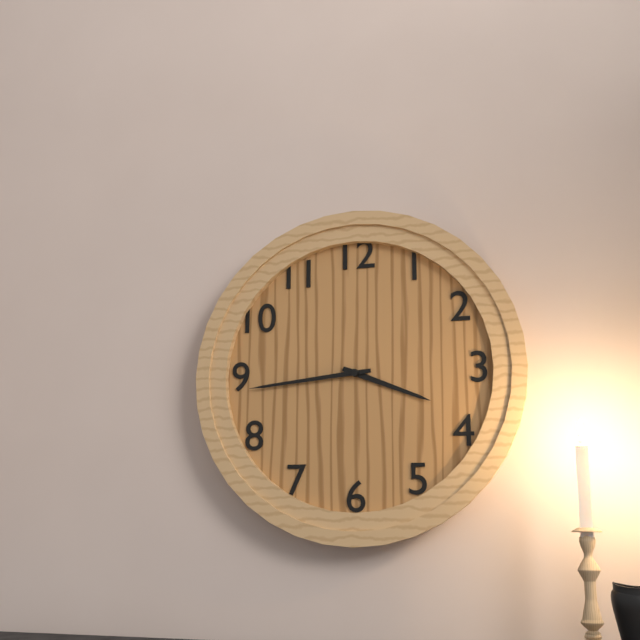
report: 3h44
